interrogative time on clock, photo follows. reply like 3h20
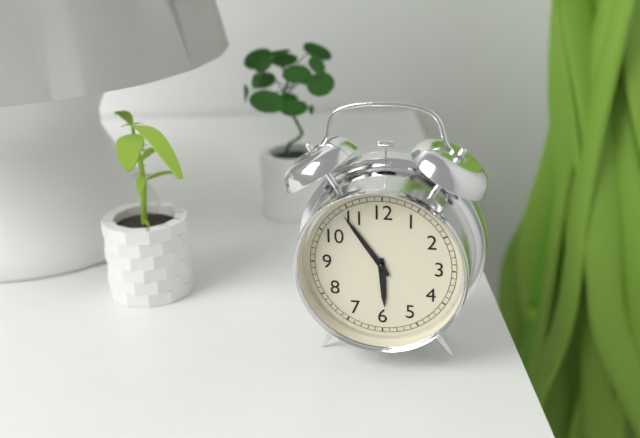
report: 5h54
